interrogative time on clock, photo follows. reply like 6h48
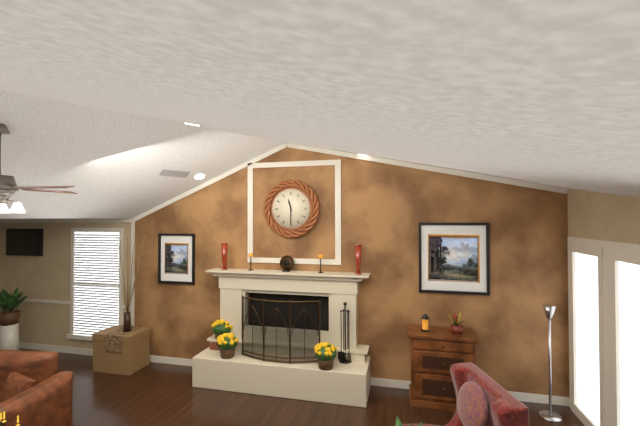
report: 11h30
